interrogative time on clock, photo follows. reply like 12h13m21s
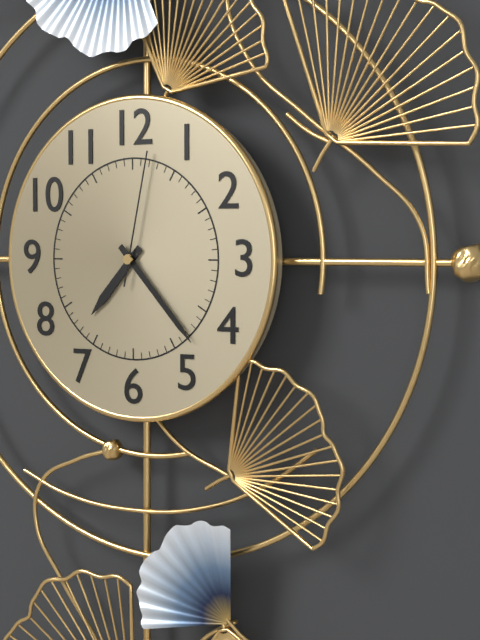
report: 7h23m02s
